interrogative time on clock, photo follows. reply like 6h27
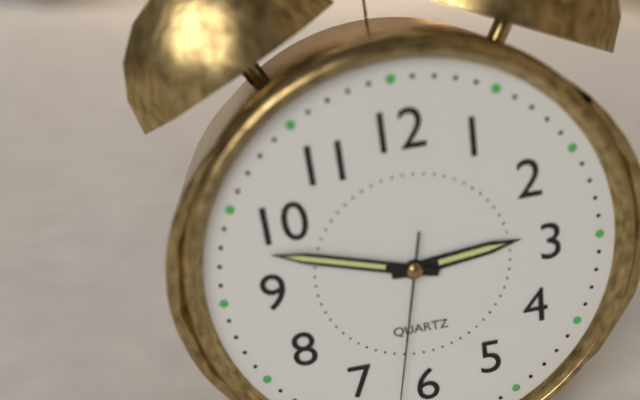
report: 2h48
